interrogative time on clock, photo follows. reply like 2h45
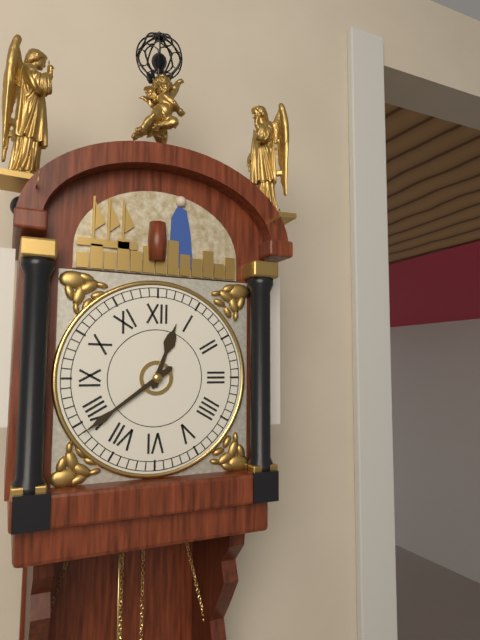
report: 12h39
